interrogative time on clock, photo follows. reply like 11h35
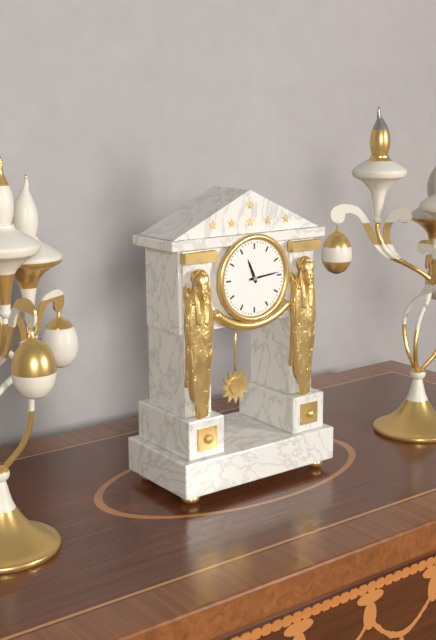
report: 11h14
